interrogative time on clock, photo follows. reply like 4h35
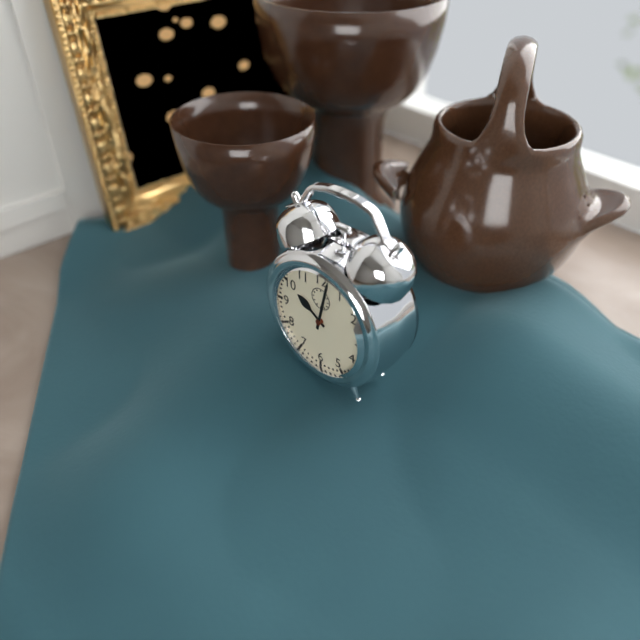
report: 10h02
